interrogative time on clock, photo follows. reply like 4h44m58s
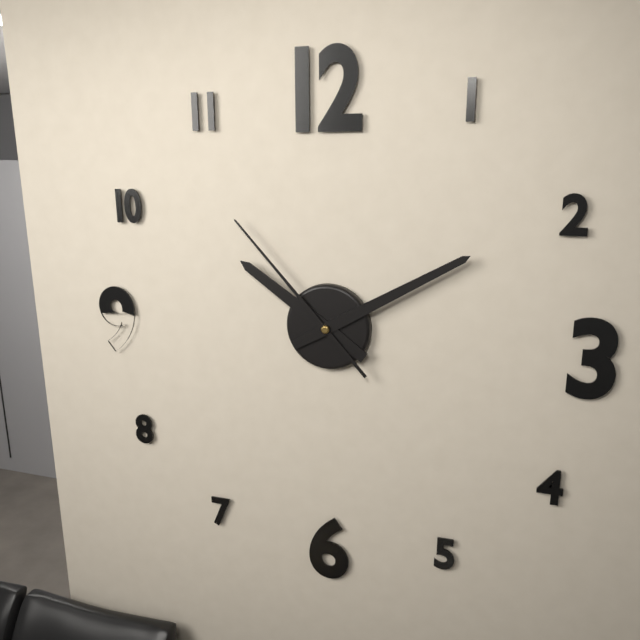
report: 10h10m53s
